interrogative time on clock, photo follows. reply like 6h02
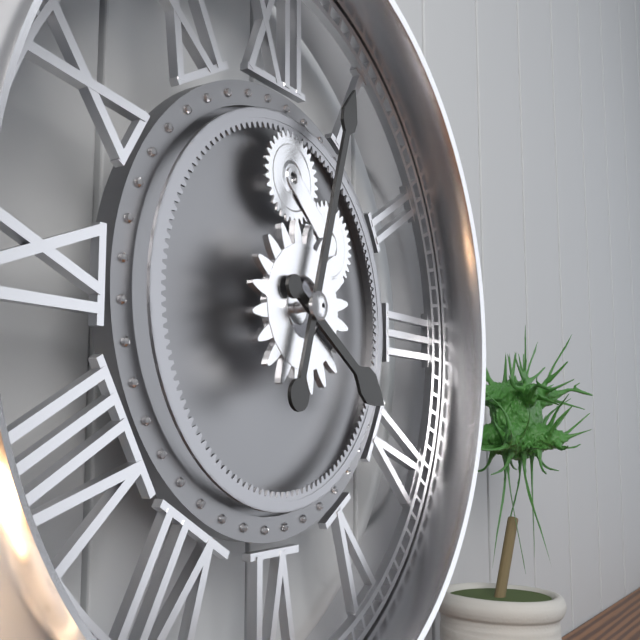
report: 4h03
